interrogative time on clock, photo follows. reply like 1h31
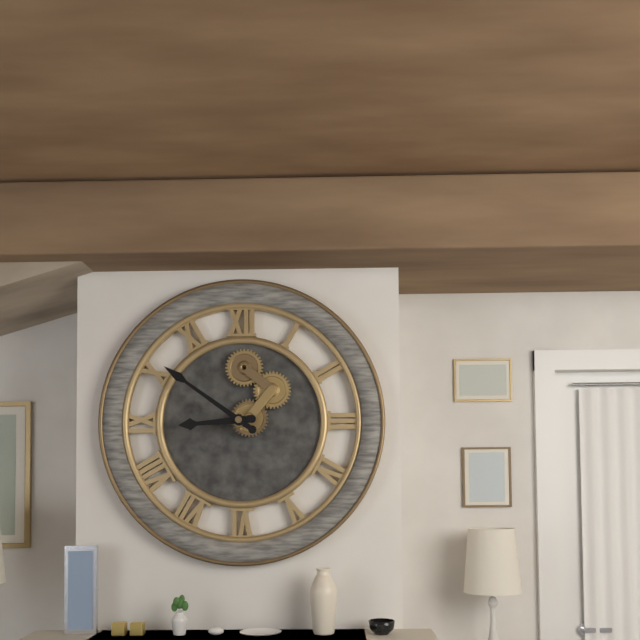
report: 8h51
